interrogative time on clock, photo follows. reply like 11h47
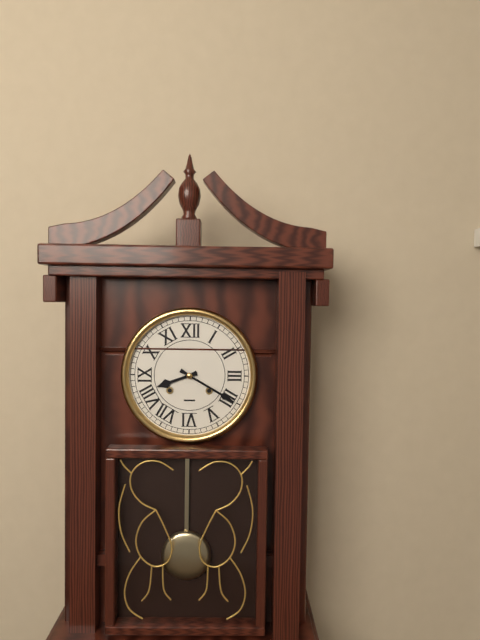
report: 8h20
